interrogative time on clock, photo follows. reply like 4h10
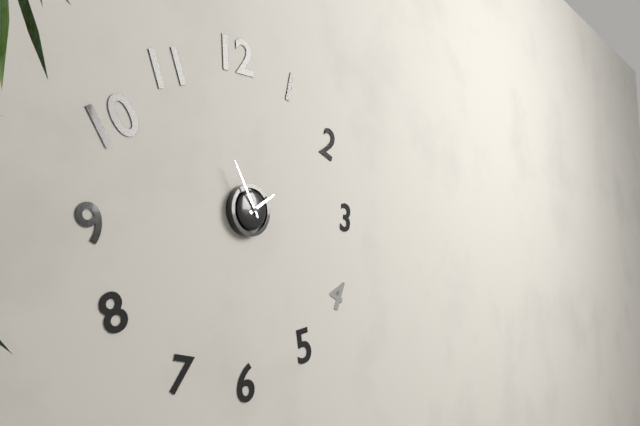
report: 1h55
